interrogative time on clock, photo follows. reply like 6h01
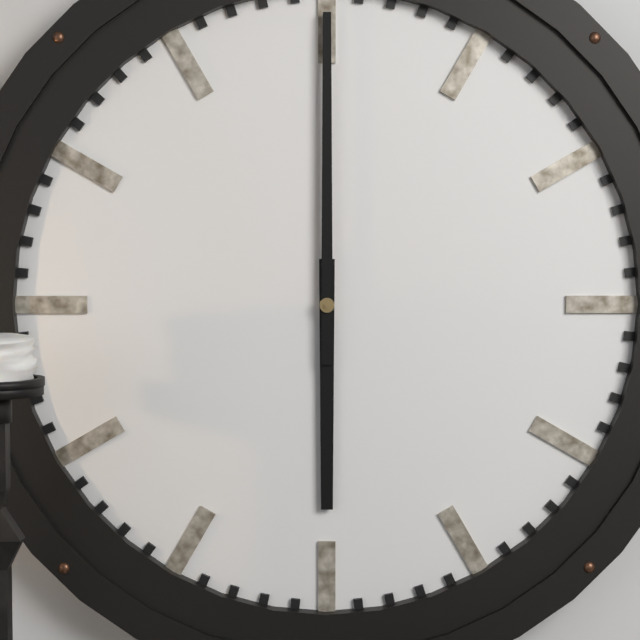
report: 6h00
